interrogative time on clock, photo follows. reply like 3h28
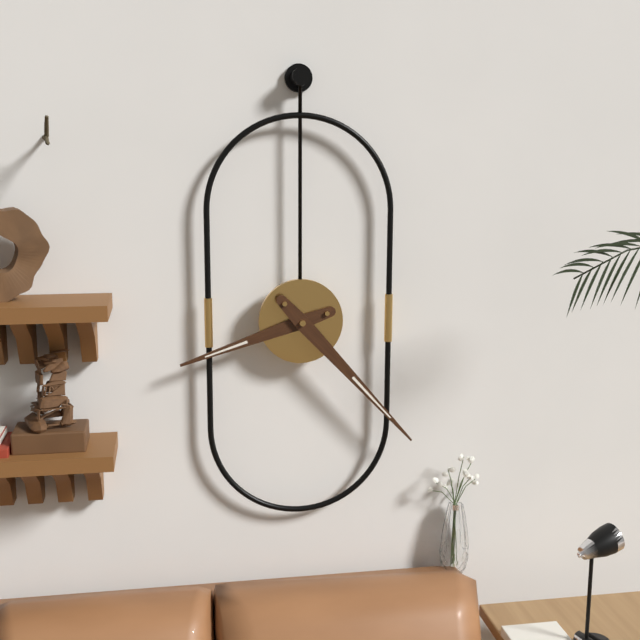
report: 8h23
